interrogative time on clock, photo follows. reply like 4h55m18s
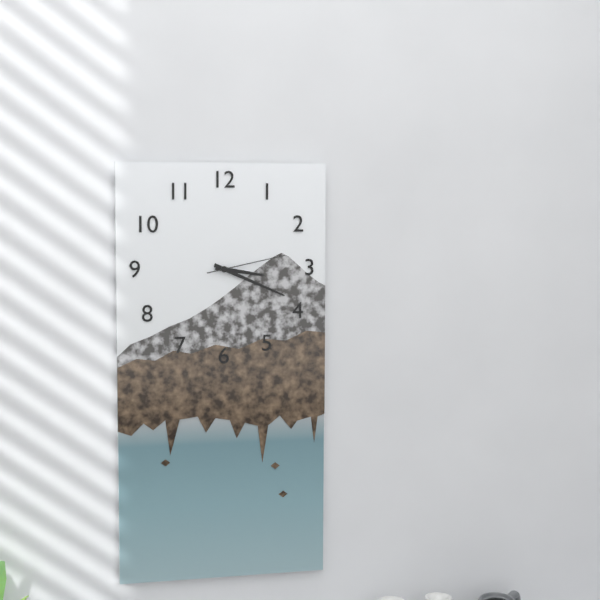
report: 3h19m13s
